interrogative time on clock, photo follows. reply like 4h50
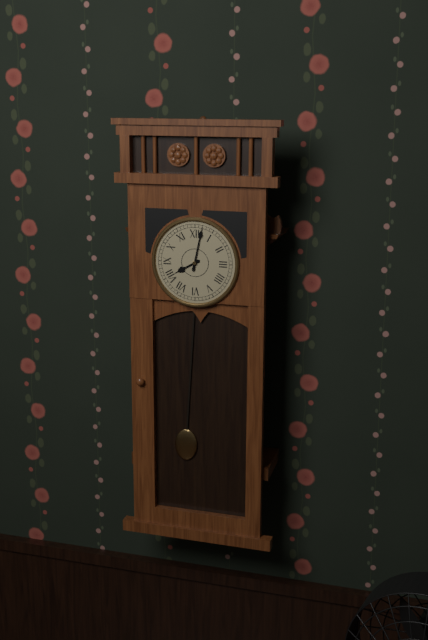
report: 8h02
